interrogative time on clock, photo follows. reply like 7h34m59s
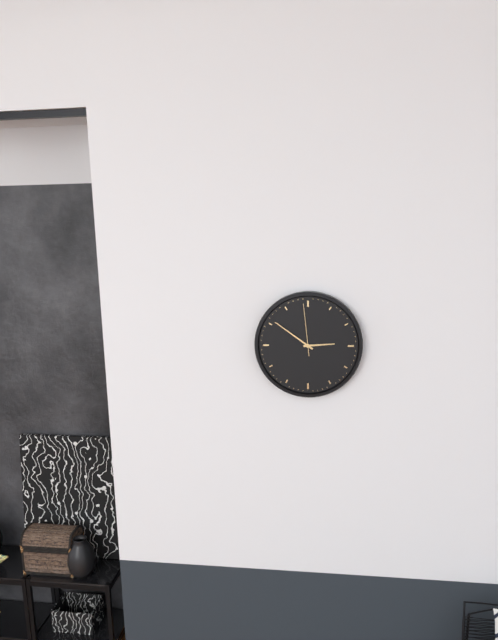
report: 2h51m59s
